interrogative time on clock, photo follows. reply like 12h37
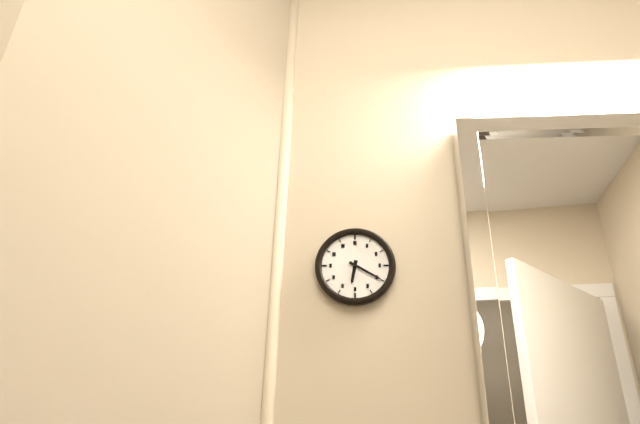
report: 6h20
